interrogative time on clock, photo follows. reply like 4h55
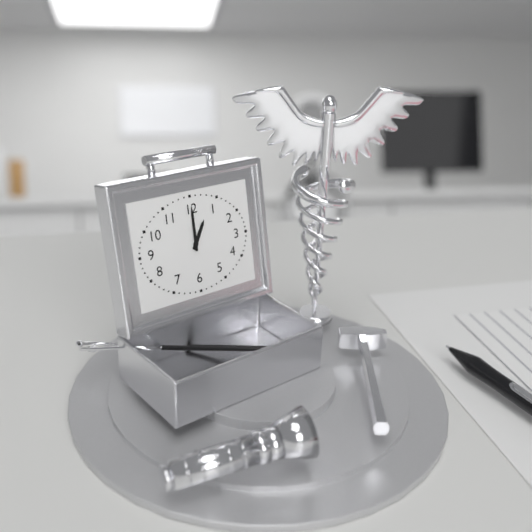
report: 1h00
